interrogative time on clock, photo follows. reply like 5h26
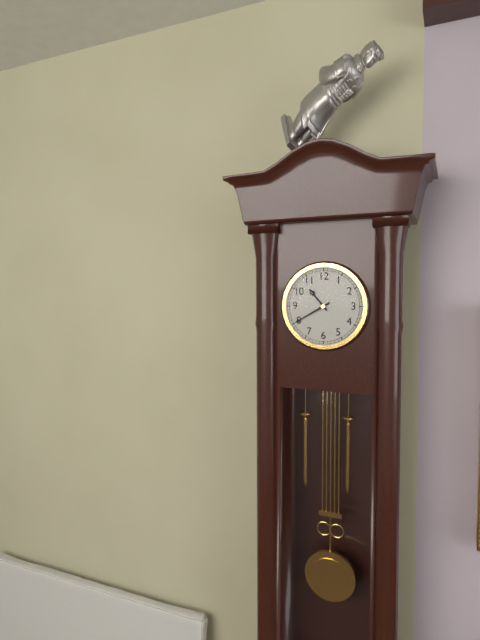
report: 10h40
